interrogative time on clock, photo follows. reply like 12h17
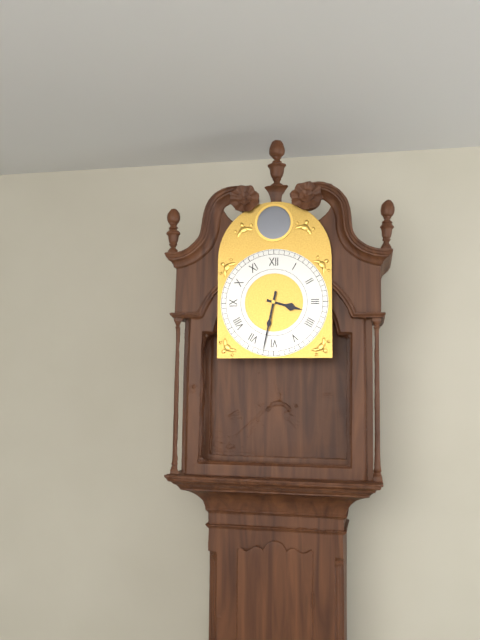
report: 3h32
